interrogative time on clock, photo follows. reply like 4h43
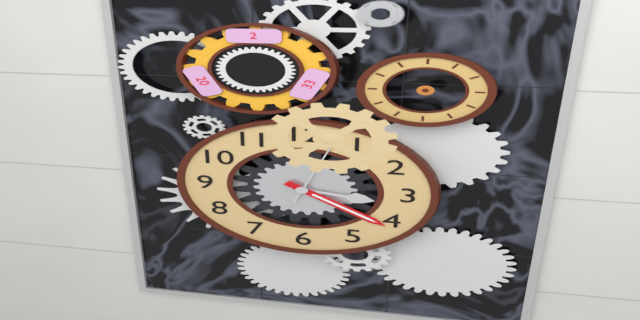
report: 3h21
